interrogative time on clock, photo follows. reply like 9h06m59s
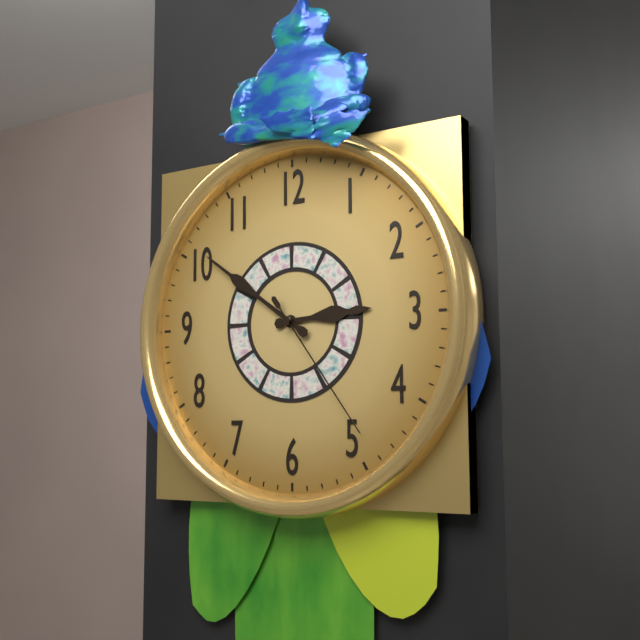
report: 2h51m24s
